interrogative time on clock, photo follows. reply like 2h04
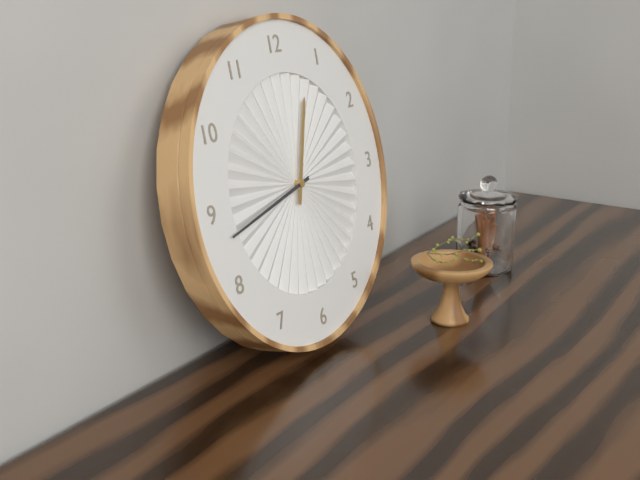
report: 12h43
